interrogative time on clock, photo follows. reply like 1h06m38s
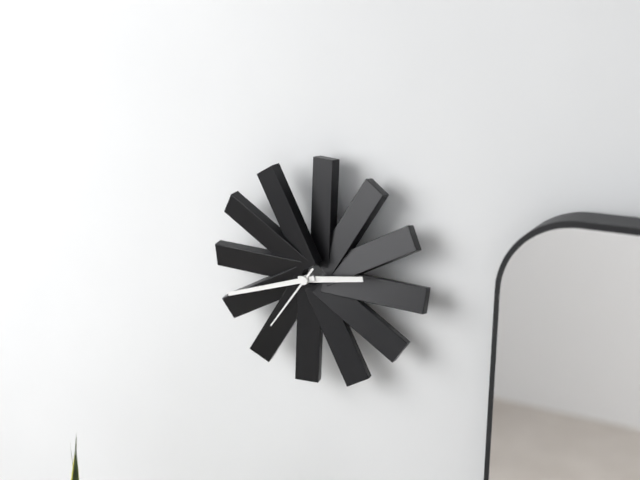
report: 2h42m36s
